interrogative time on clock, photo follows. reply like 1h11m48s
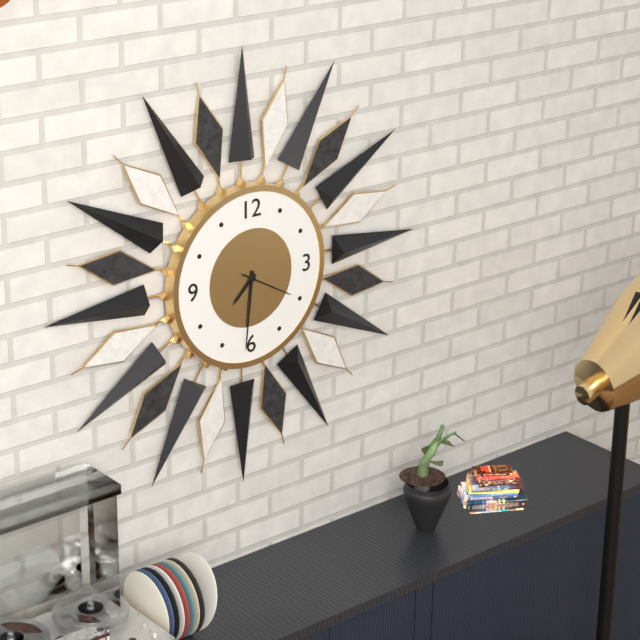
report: 7h31m20s
